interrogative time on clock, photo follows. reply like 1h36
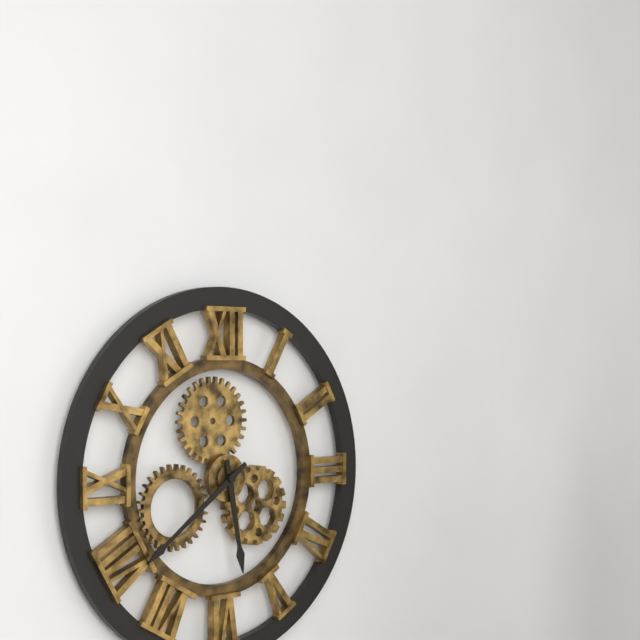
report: 5h39
